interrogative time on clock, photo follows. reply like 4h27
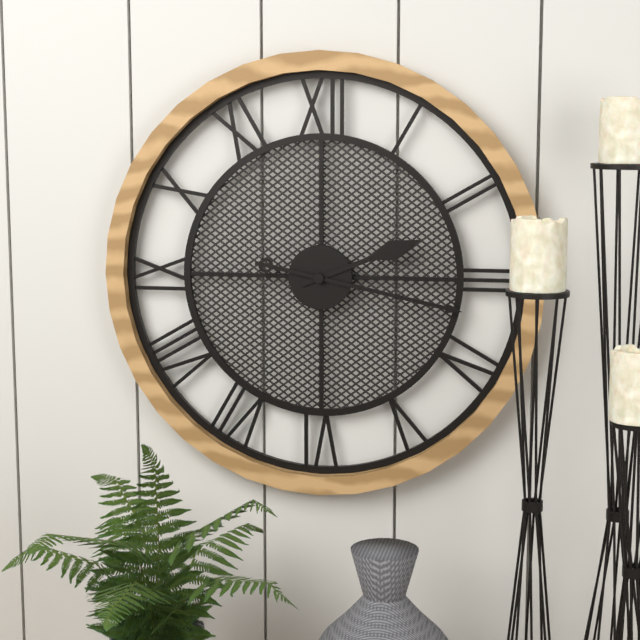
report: 2h17
